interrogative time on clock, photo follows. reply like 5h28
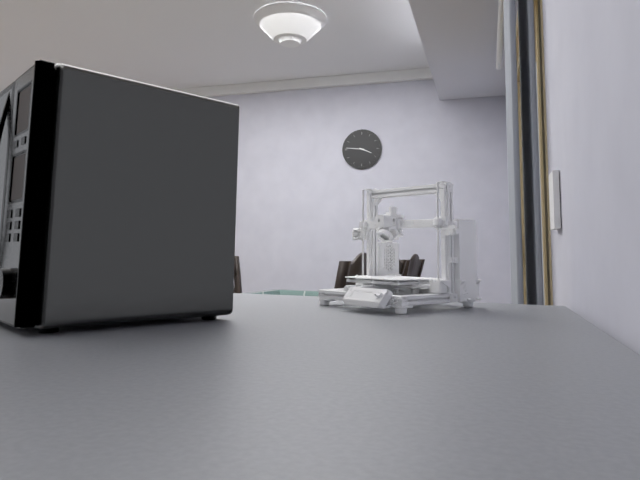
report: 3h46
